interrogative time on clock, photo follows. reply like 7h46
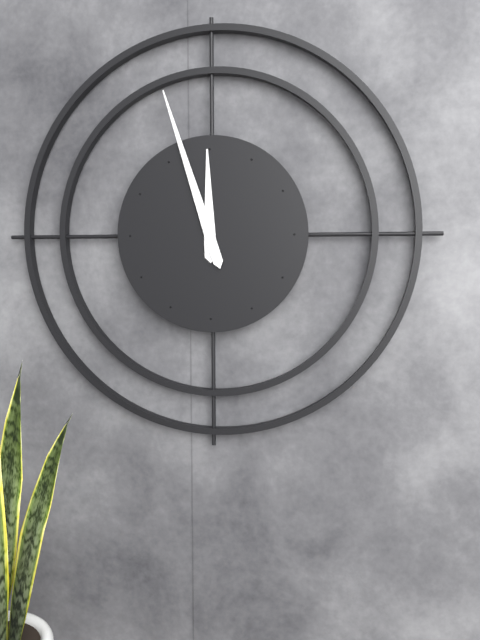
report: 11h57
